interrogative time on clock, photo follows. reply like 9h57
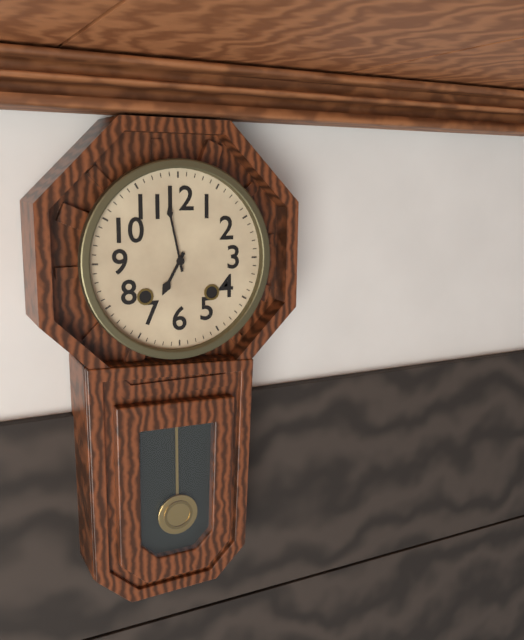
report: 6h58
